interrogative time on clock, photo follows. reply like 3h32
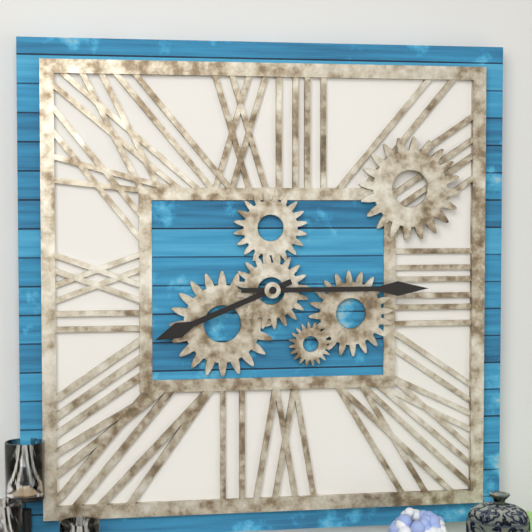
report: 8h15
